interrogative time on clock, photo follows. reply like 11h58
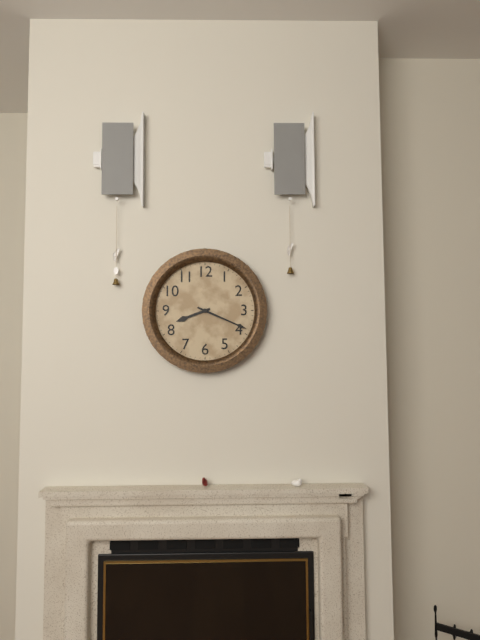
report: 8h19
